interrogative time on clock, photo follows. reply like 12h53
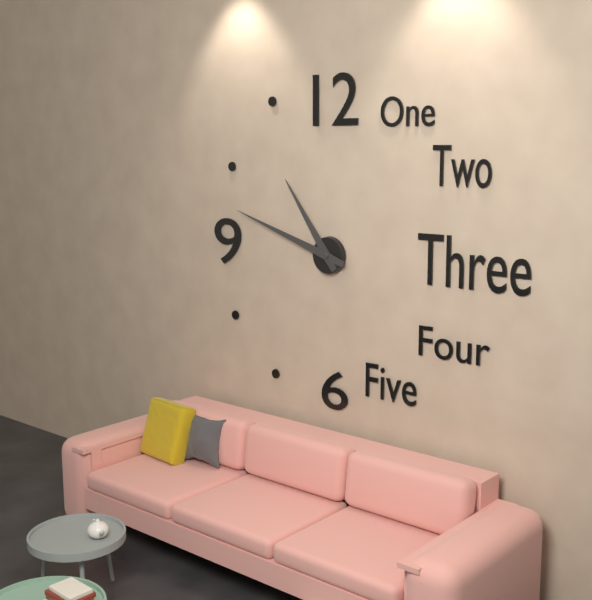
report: 10h48
